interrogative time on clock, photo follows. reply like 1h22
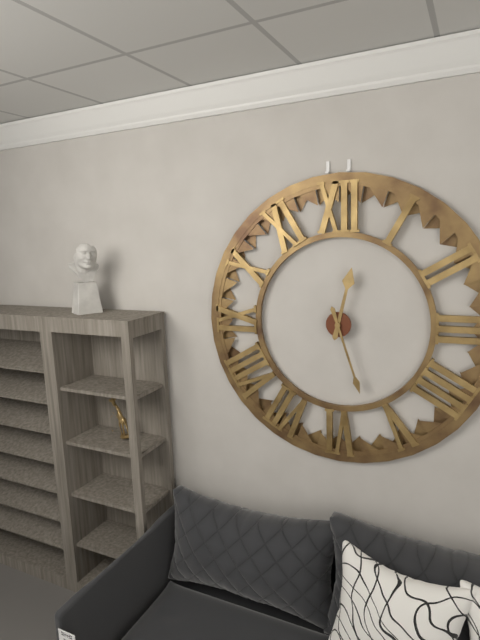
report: 12h27
